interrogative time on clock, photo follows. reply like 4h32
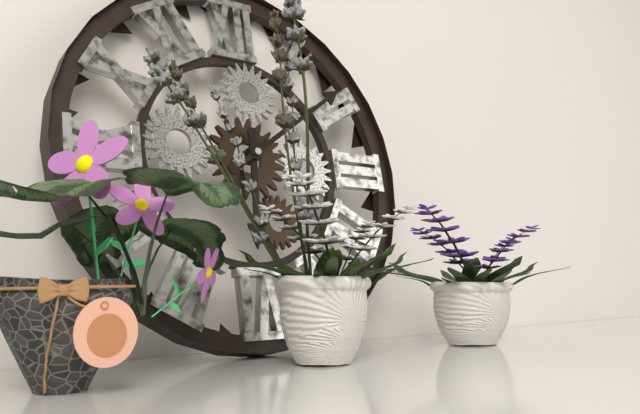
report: 6h09
